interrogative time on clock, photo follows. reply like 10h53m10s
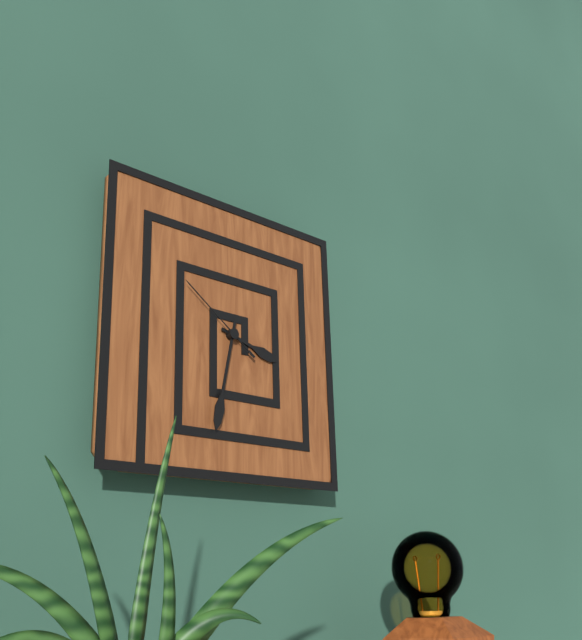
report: 3h32m51s
